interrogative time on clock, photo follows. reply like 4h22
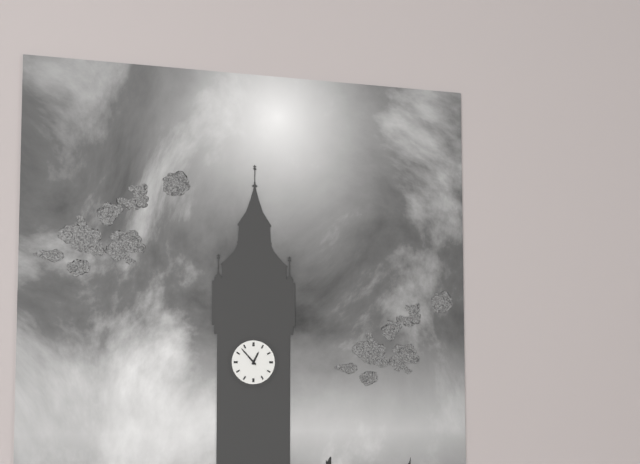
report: 12h53
